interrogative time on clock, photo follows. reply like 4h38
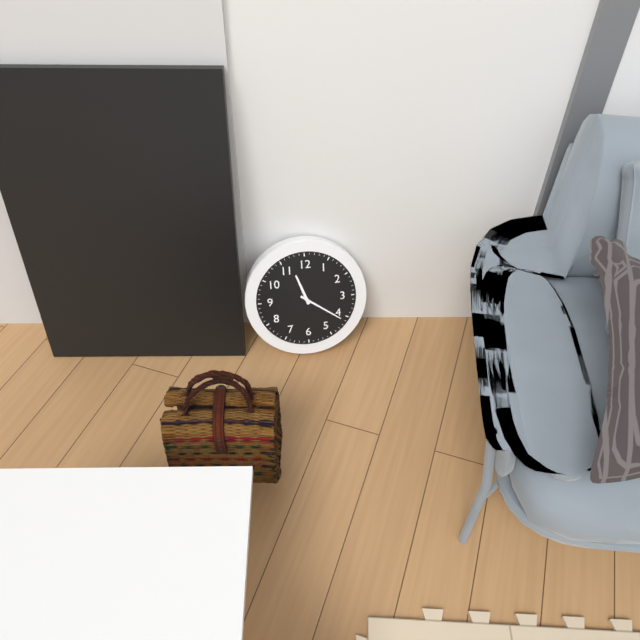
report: 11h21
